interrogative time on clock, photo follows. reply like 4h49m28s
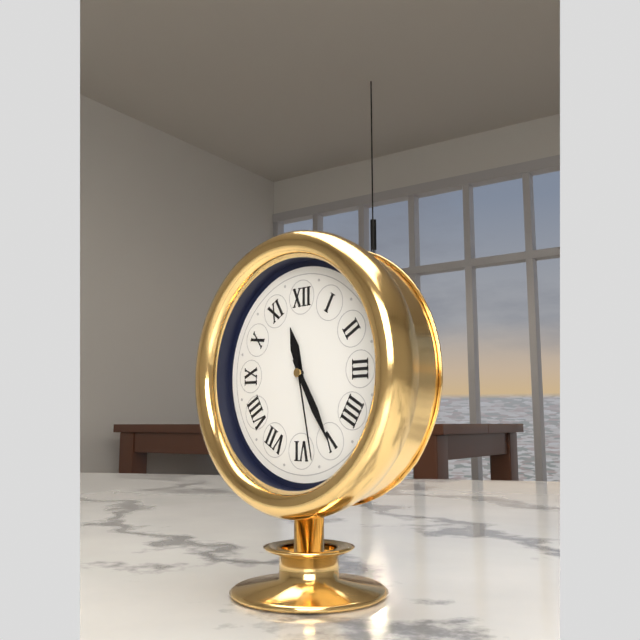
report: 11h25m28s
